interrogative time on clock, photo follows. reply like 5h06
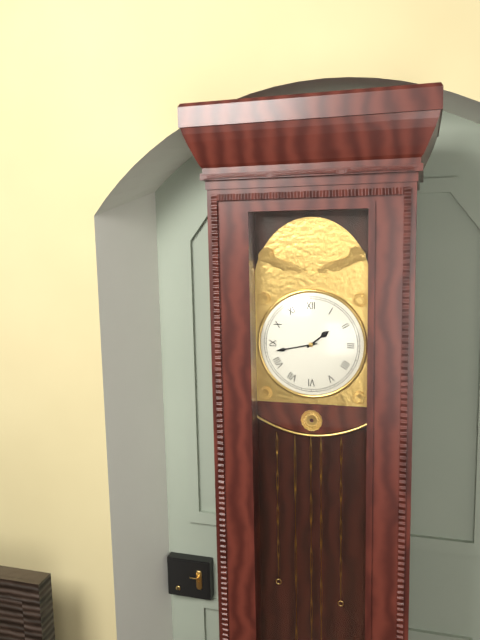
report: 1h43
